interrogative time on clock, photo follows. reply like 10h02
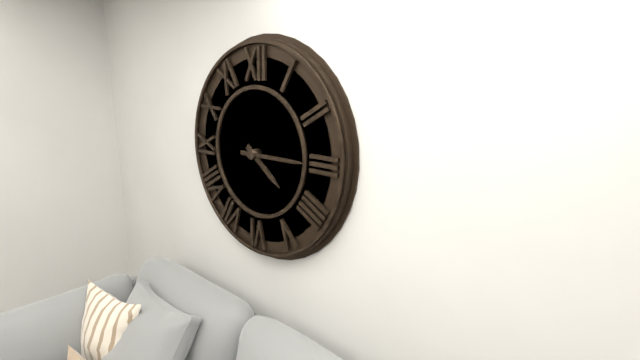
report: 4h15
